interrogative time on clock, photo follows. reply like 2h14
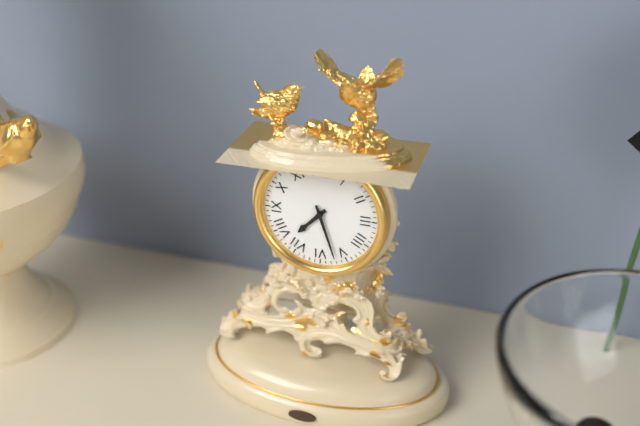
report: 7h27
